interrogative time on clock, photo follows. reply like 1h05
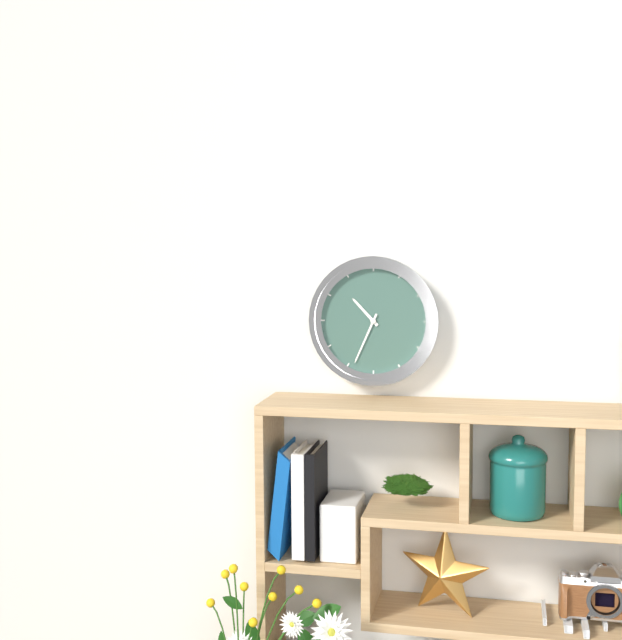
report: 10h34
